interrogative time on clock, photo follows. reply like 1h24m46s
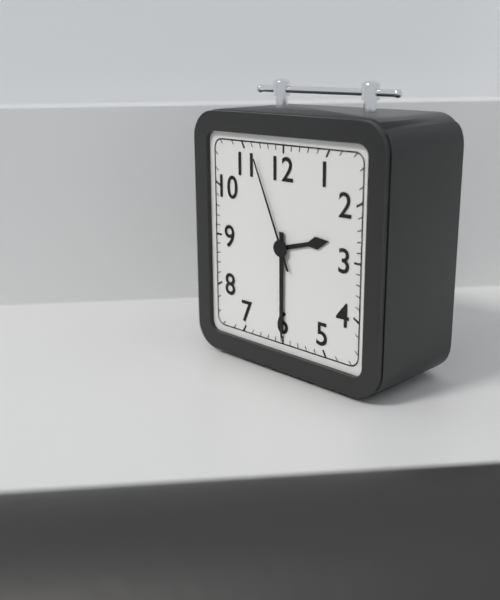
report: 2h30m56s
